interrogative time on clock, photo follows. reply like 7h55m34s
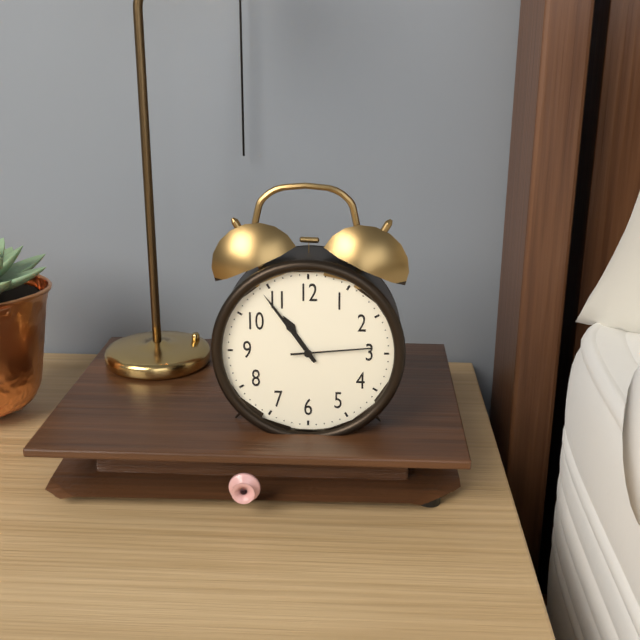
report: 10h54m14s
